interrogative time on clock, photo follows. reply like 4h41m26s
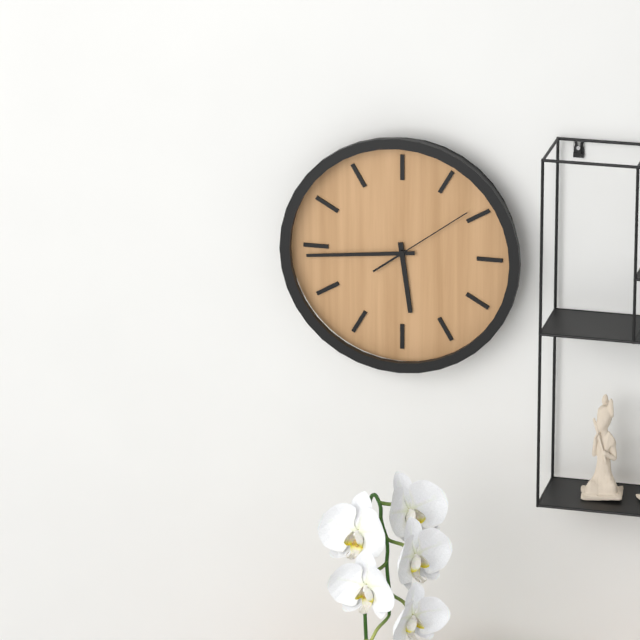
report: 5h44m09s
